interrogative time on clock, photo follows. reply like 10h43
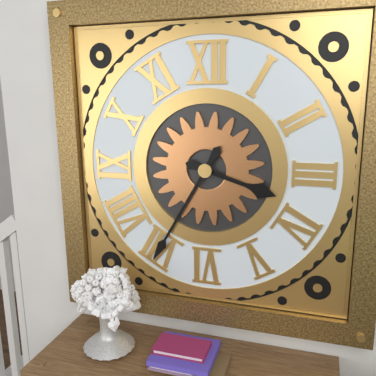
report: 3h35
